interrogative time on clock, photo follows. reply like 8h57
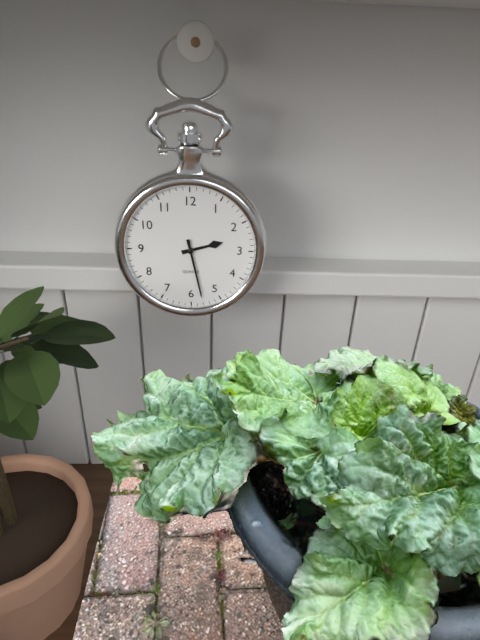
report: 2h28
